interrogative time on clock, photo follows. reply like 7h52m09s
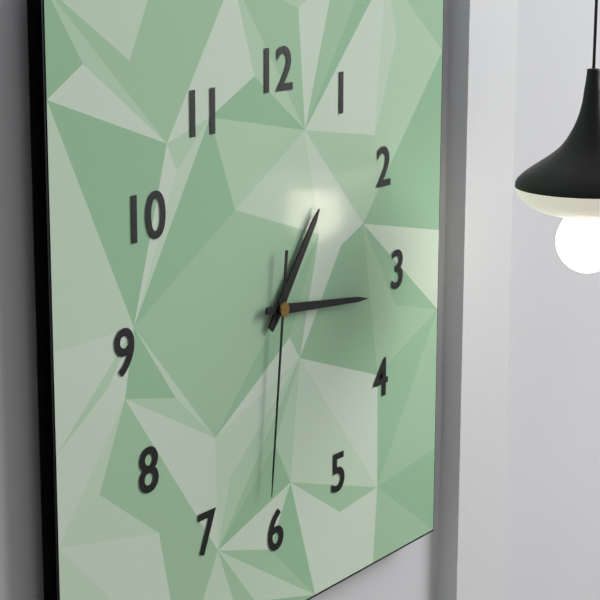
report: 1h16m31s
